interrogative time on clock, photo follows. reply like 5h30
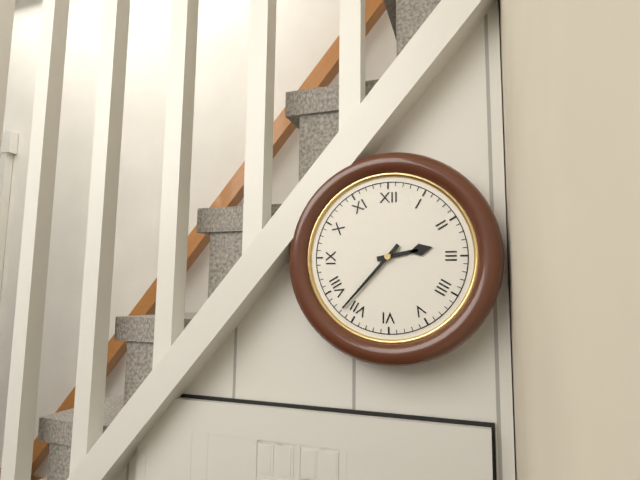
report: 2h37
